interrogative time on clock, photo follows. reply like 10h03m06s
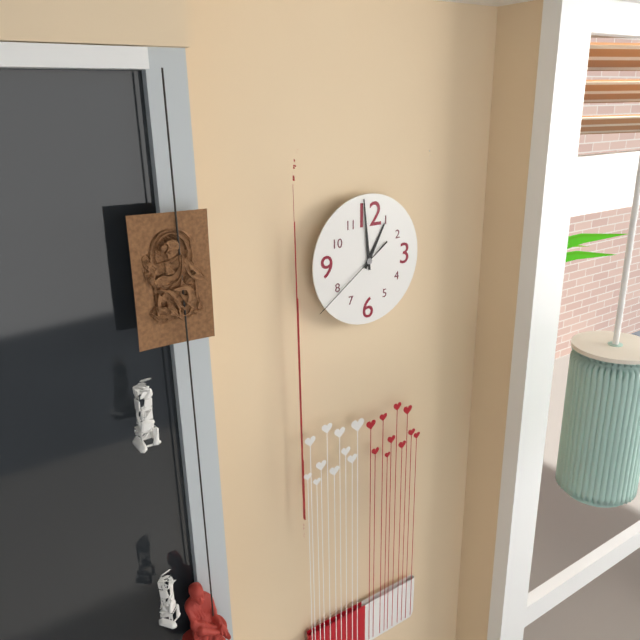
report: 12h59m39s
